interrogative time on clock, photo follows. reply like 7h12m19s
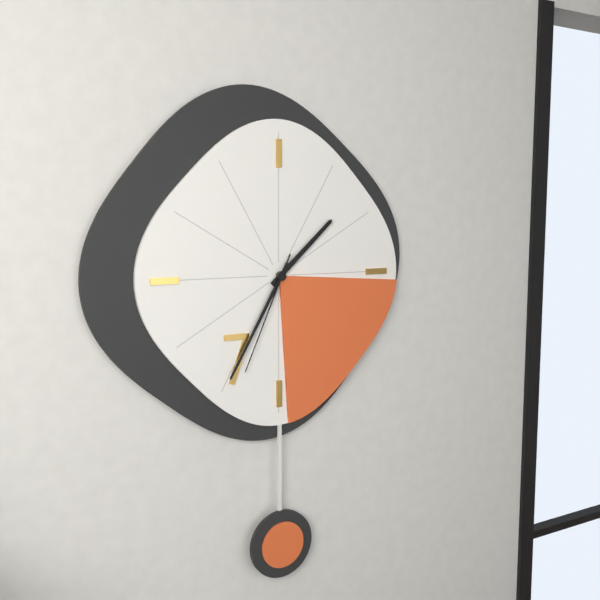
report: 1h35m34s
